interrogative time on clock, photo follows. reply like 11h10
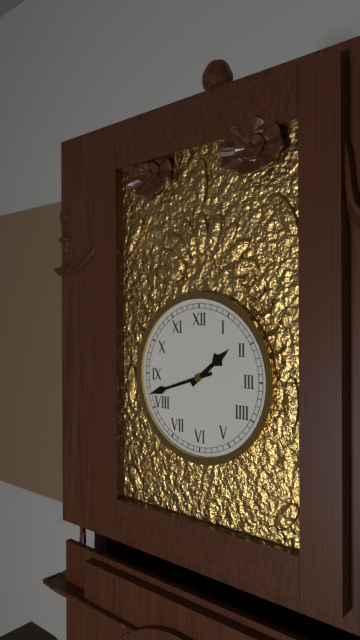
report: 1h42
